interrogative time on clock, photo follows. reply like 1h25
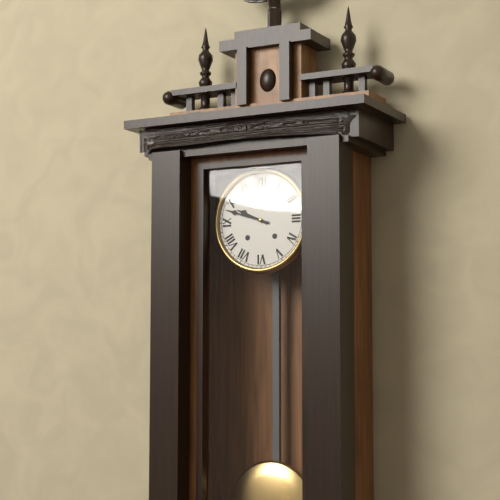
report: 9h48
